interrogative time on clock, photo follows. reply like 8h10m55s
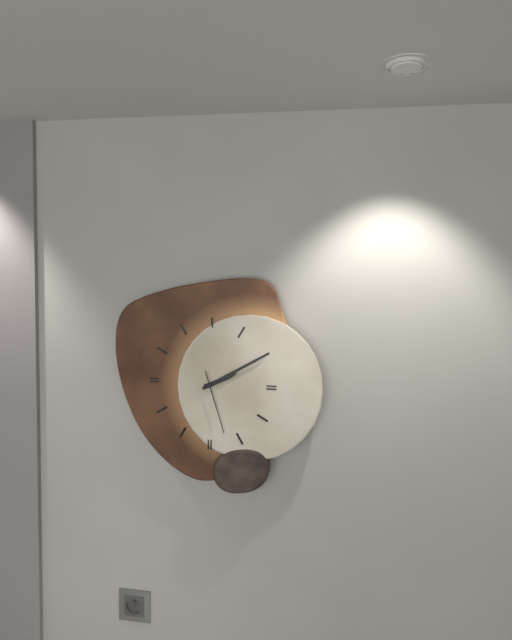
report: 2h10m27s
